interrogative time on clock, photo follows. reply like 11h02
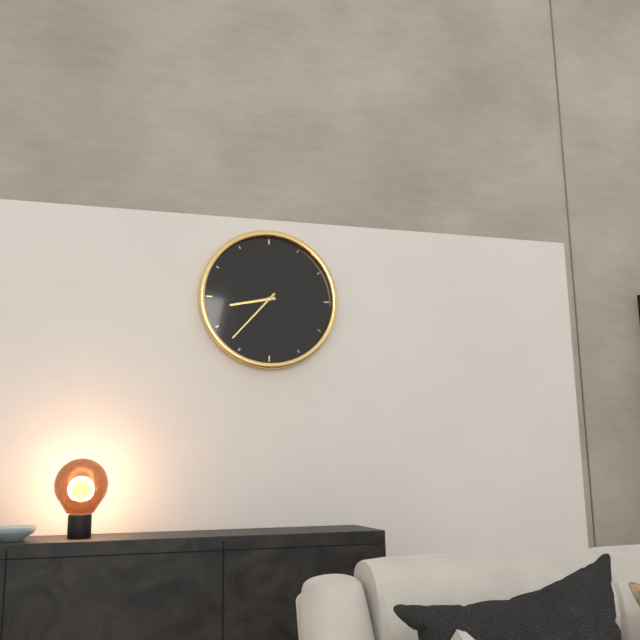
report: 8h37
